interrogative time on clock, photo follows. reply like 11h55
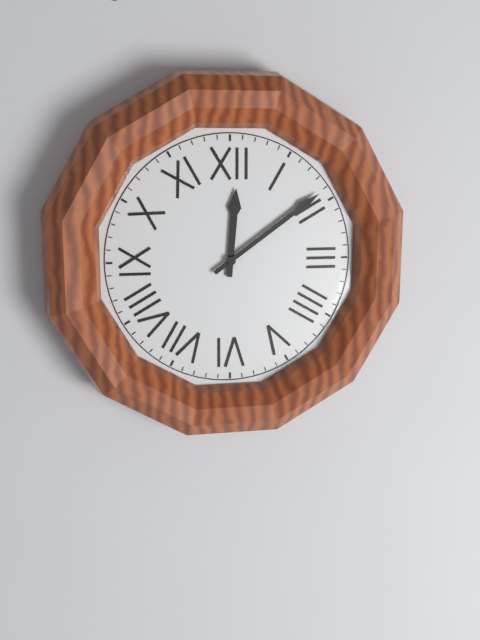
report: 12h09
